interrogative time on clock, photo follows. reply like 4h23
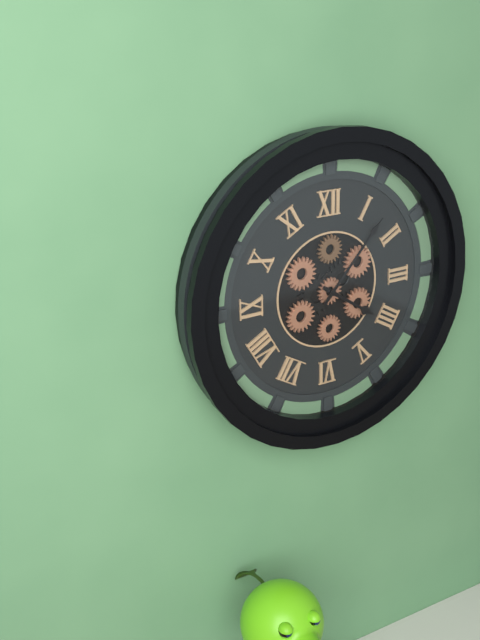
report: 4h07
